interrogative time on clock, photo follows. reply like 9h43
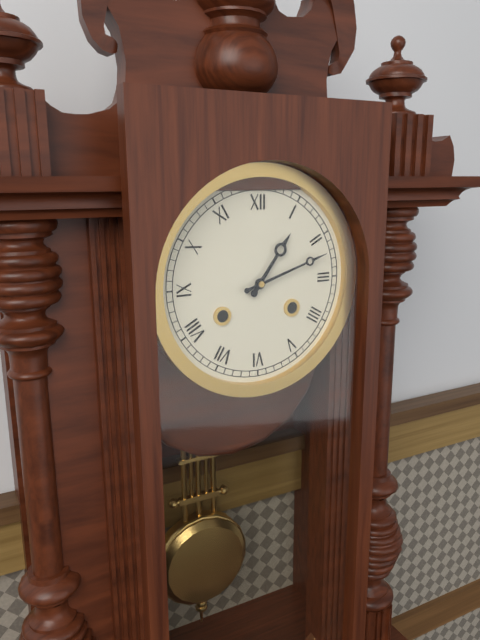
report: 1h12
